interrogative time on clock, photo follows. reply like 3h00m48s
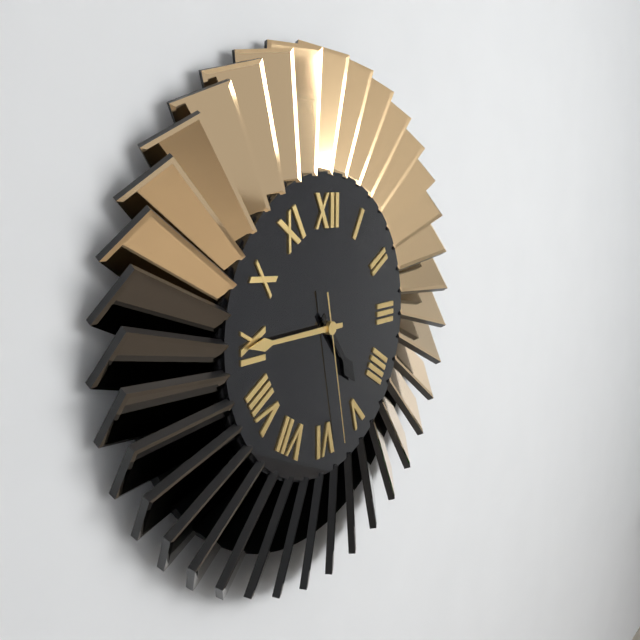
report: 4h45m28s
